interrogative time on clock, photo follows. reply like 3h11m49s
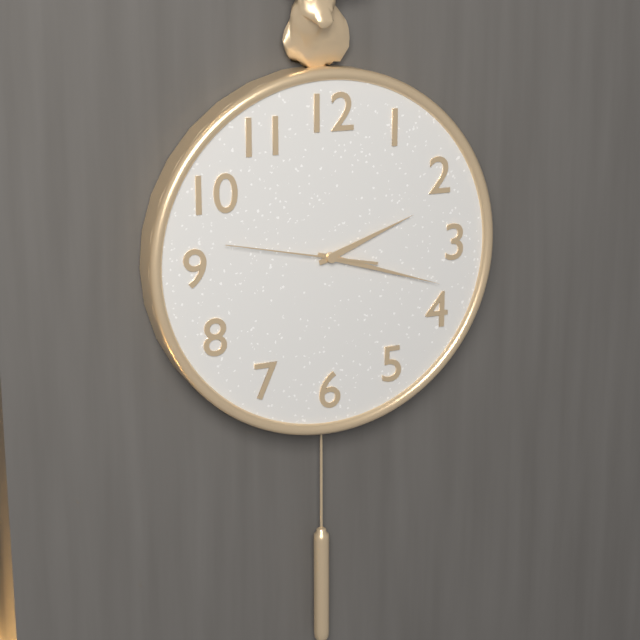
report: 2h18m47s
